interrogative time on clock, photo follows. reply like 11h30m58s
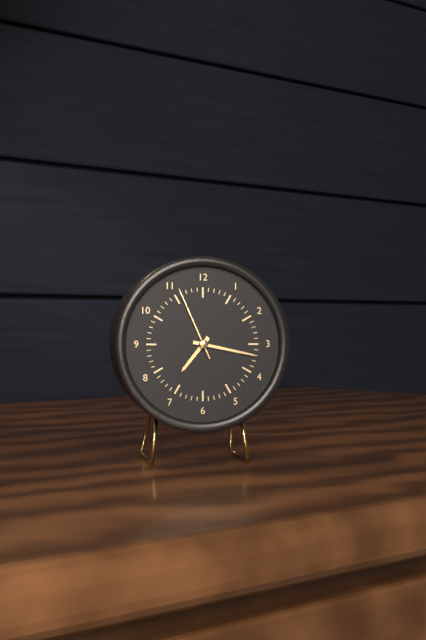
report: 7h17m56s
